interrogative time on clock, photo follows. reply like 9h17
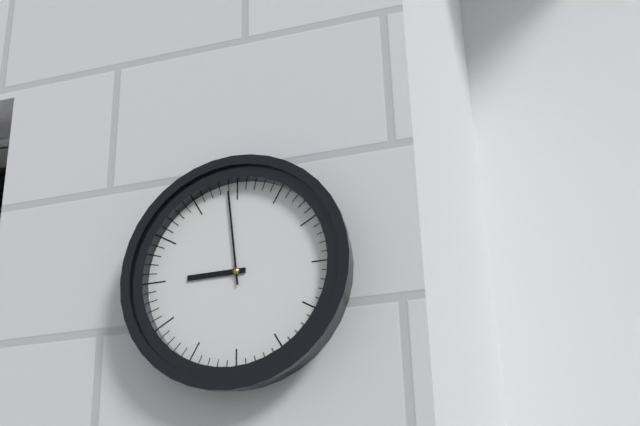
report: 8h59
